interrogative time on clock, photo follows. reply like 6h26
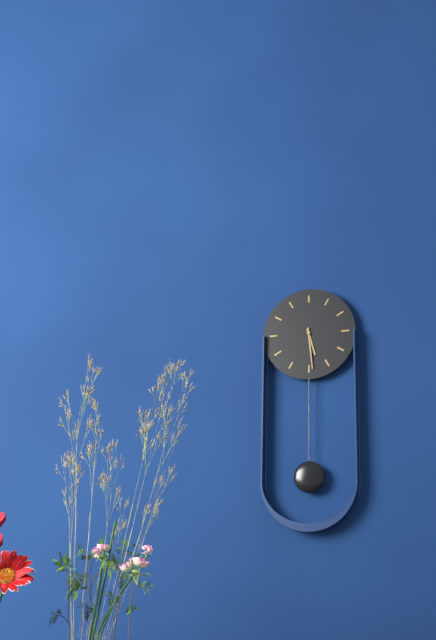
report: 5h29
